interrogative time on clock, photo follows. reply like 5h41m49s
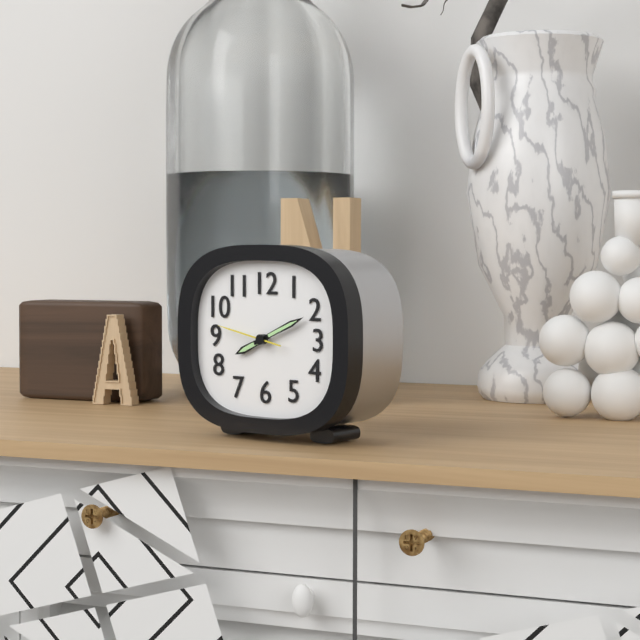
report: 8h11m47s
